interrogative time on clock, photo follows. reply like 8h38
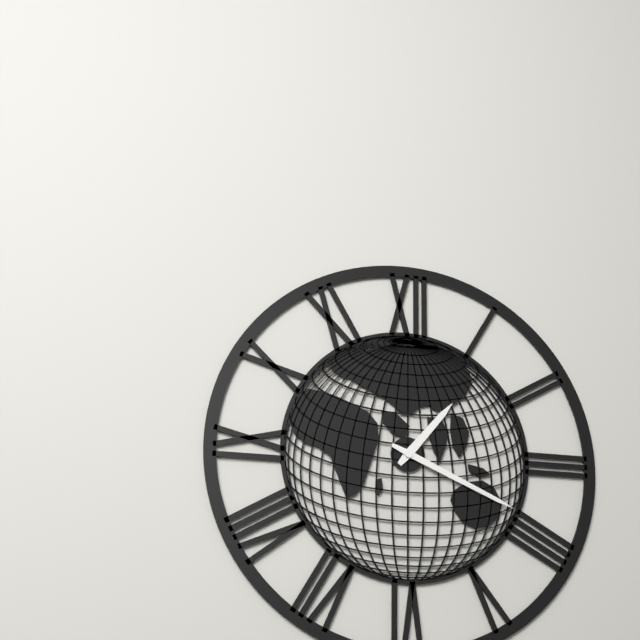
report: 1h19
